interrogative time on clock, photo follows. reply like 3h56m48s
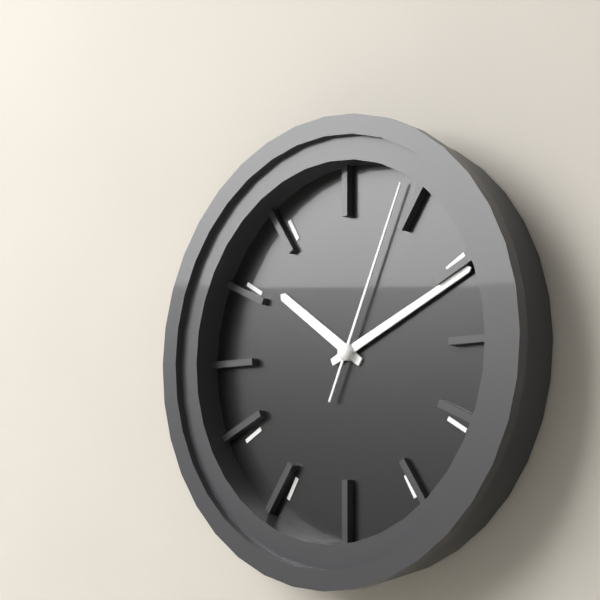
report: 10h11m04s
